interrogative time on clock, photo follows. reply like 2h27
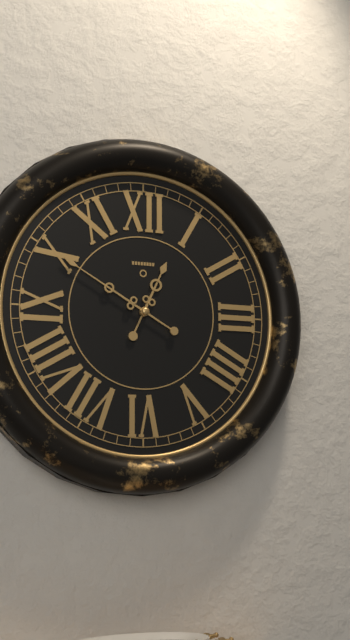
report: 12h50
